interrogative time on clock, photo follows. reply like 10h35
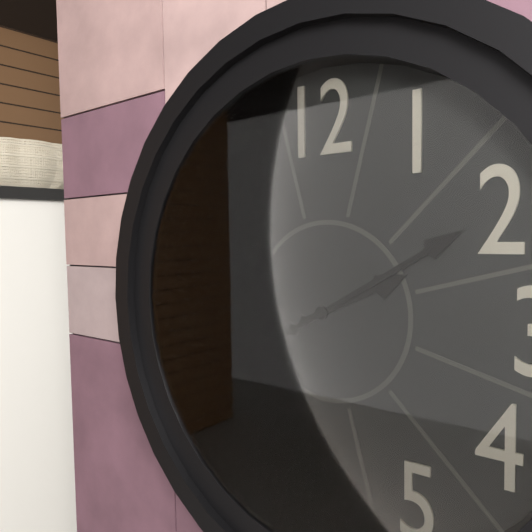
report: 2h10
